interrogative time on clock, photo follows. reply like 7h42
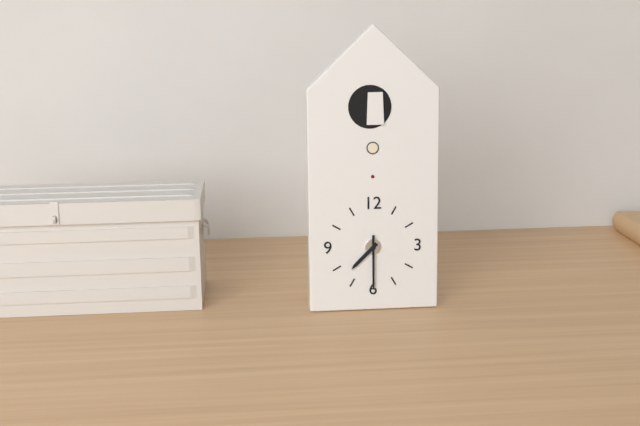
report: 7h30
